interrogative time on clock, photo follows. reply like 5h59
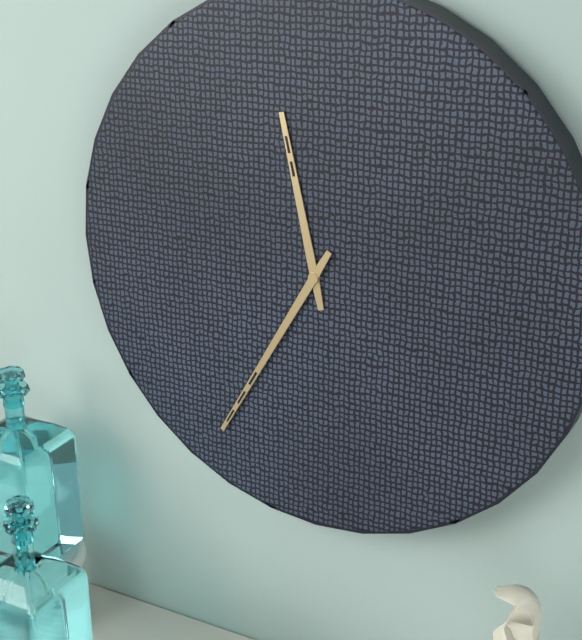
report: 11h35
